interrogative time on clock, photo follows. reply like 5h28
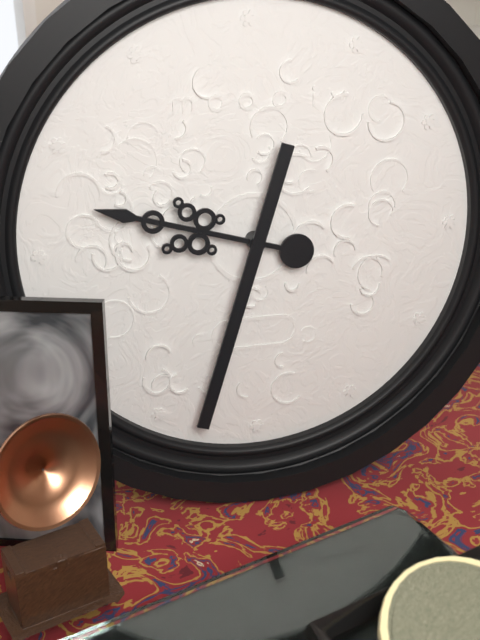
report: 9h33
